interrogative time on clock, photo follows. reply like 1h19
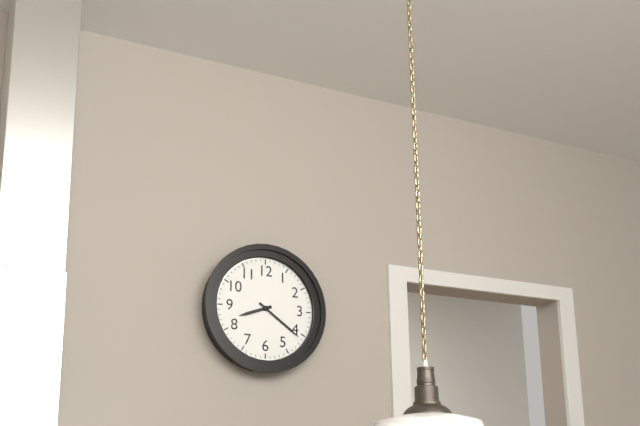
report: 8h21
